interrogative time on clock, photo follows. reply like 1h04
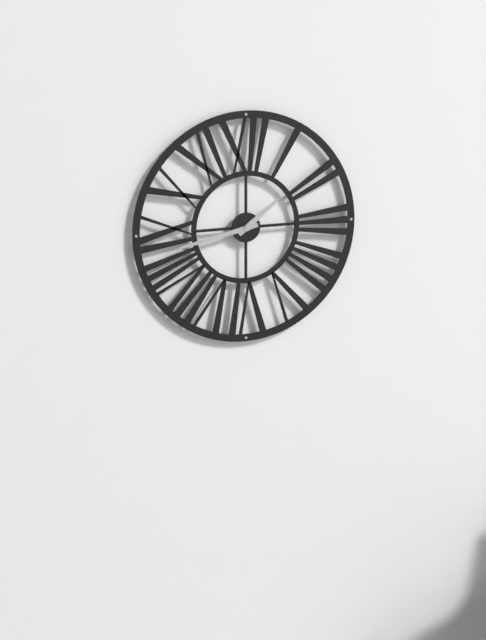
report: 1h43
